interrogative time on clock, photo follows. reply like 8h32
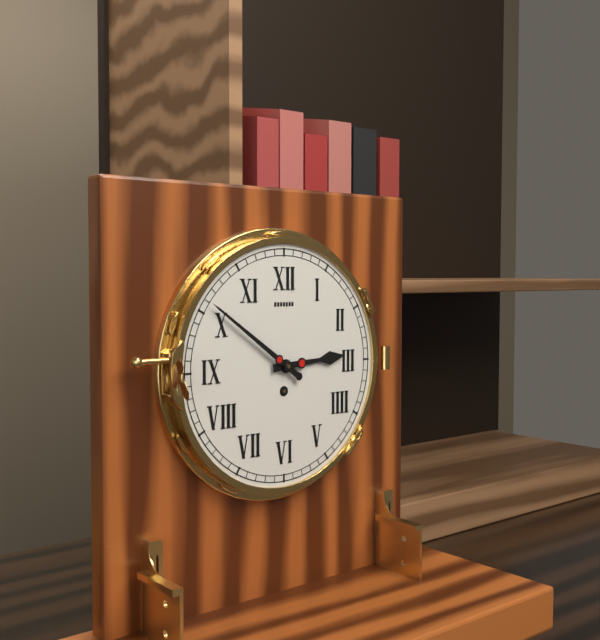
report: 2h51
